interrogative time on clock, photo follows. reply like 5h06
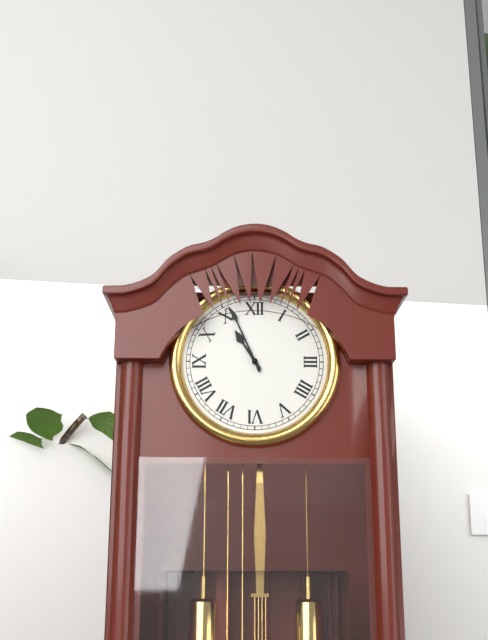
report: 10h56
